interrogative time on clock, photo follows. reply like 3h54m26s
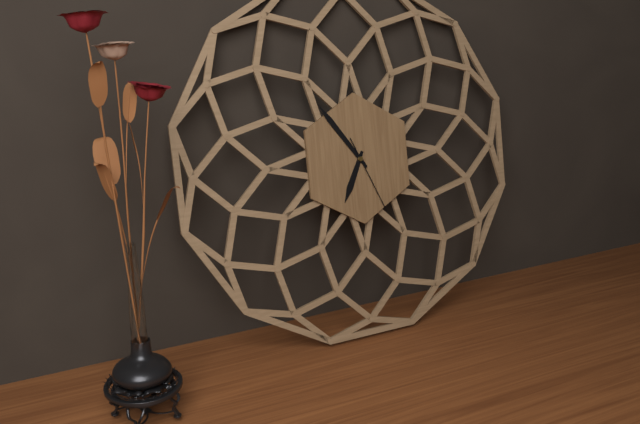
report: 6h54m26s
